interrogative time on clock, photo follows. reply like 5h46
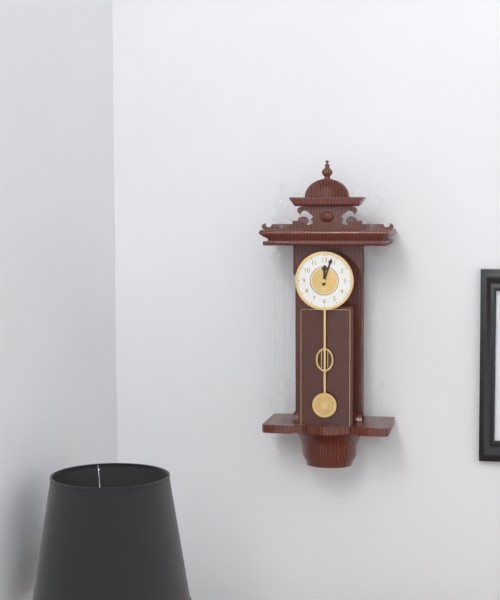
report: 12h03
